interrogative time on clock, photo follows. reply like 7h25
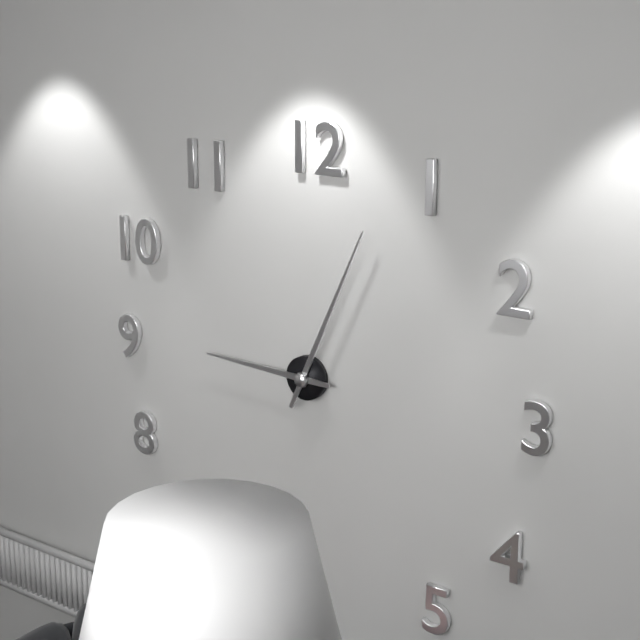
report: 9h04
